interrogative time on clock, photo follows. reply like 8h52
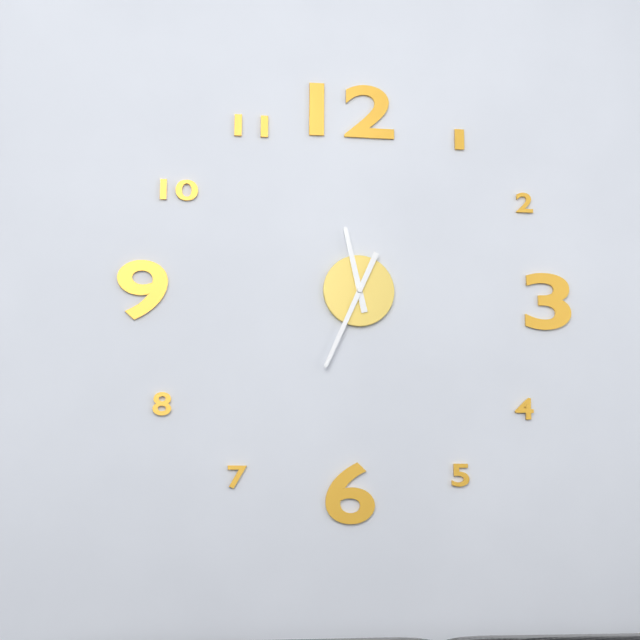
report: 11h34
